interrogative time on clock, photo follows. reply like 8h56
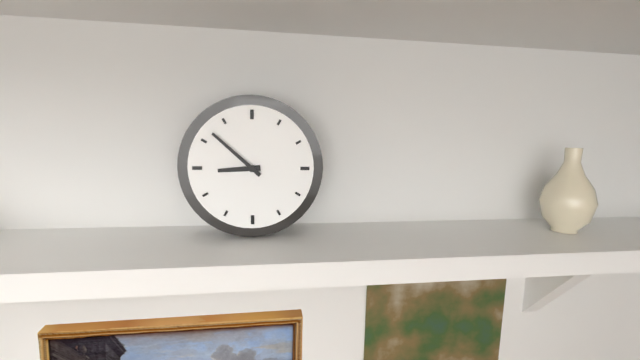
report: 8h52
